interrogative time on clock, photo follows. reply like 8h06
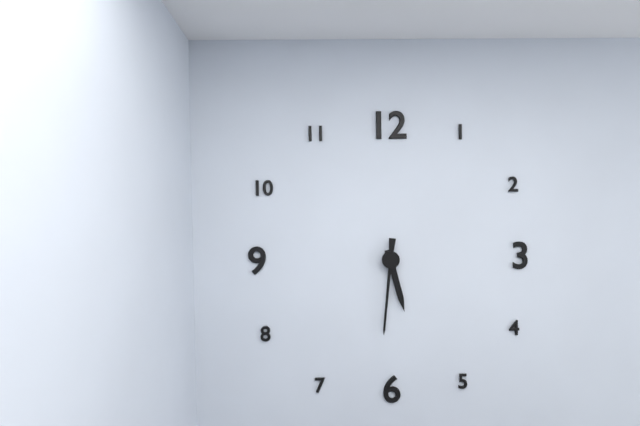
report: 5h31
